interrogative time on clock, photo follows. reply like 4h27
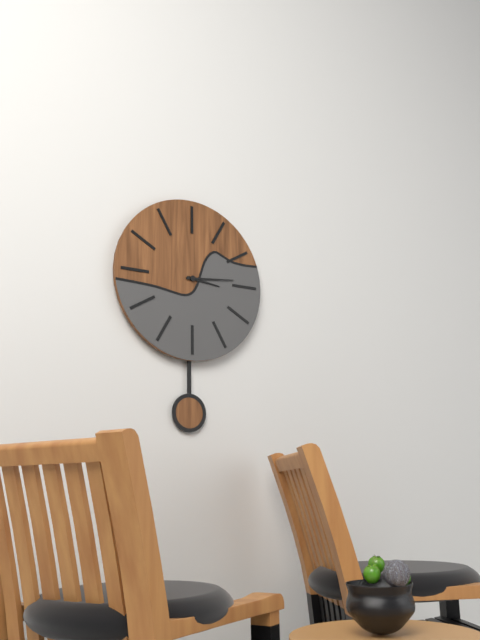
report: 3h14
